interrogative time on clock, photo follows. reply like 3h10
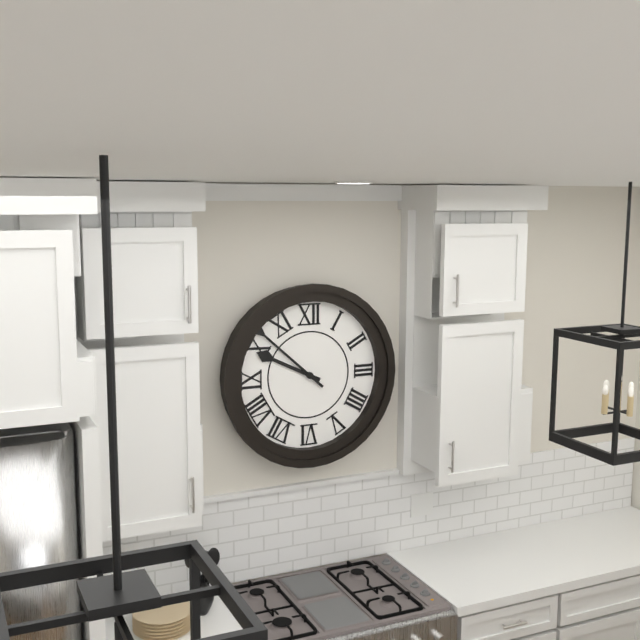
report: 9h52
